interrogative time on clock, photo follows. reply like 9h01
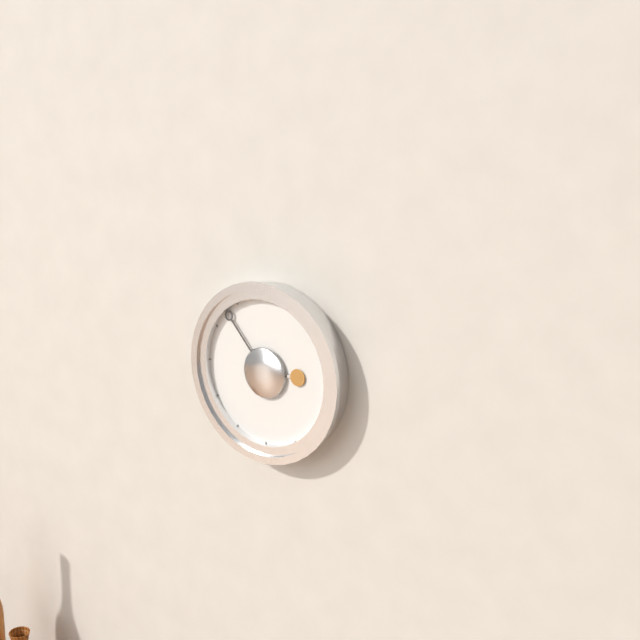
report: 2h53
